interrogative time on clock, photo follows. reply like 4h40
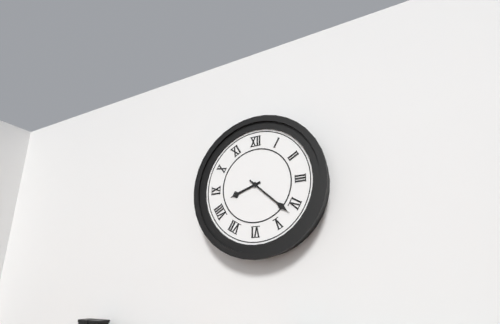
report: 8h22
